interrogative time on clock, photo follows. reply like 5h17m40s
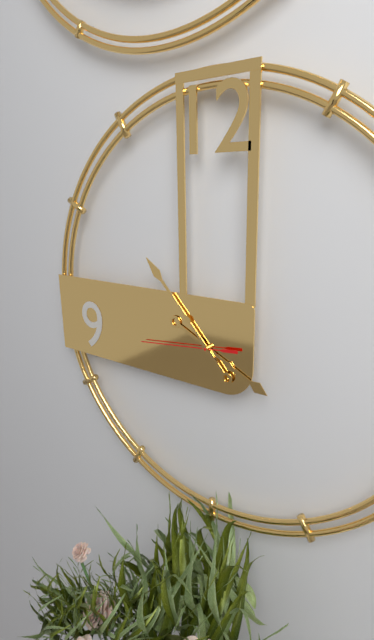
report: 3h53m44s
